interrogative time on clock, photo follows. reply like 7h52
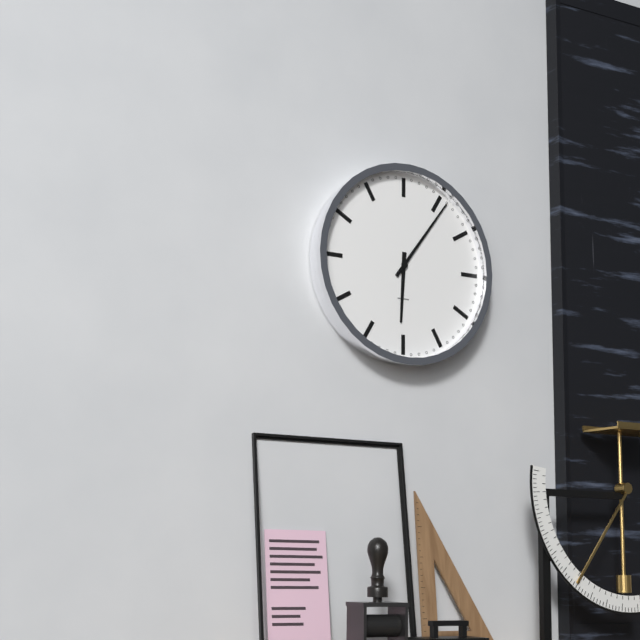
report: 6h06
